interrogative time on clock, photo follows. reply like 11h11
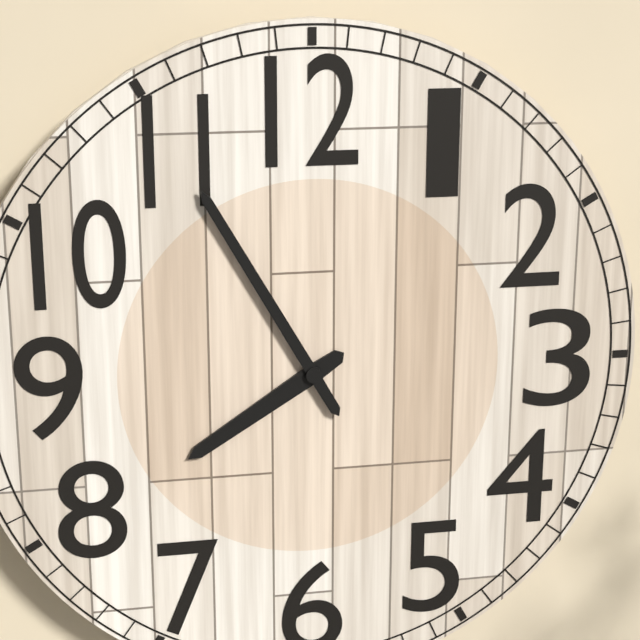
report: 7h55
